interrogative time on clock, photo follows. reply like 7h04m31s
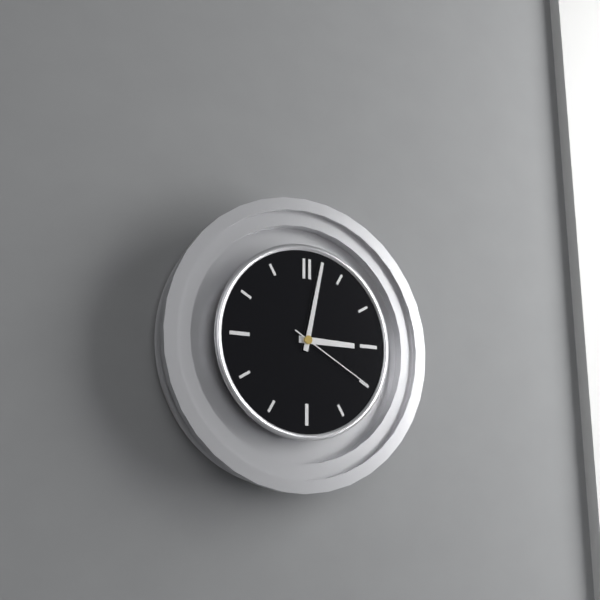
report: 3h02m20s
